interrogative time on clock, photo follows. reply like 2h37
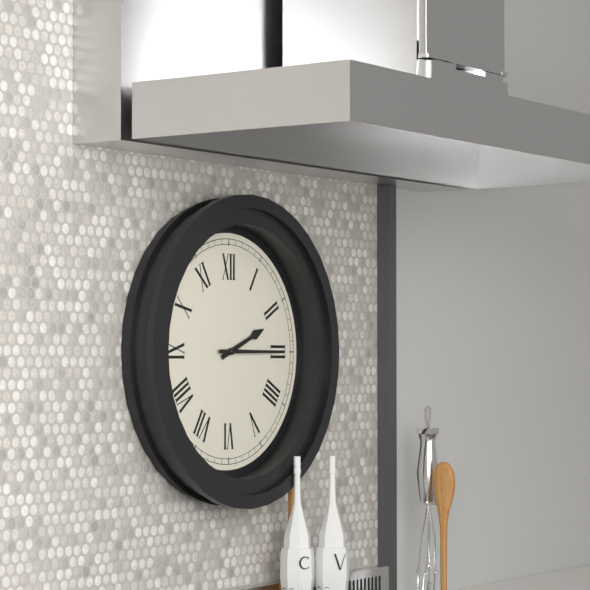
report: 2h15
